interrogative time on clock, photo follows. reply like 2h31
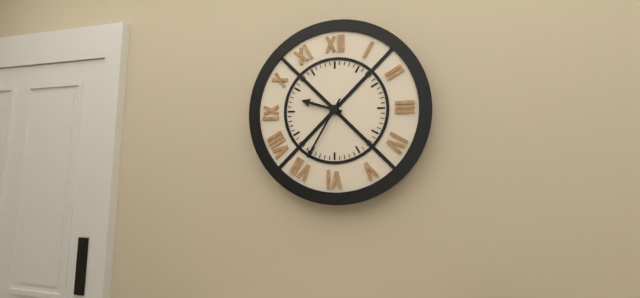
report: 9h35
